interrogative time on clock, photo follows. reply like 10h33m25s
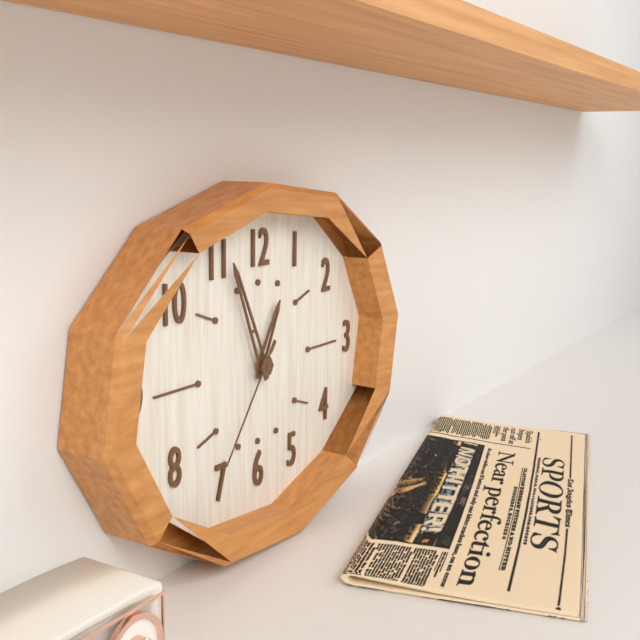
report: 12h56m36s
